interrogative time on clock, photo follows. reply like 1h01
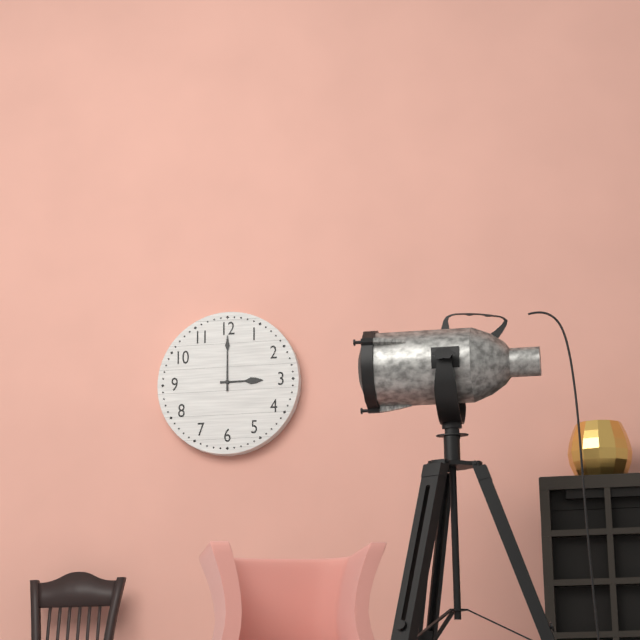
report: 3h00
